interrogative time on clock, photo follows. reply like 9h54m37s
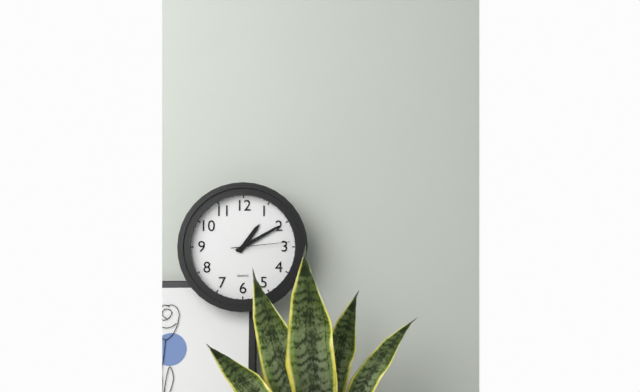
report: 1h10m14s
